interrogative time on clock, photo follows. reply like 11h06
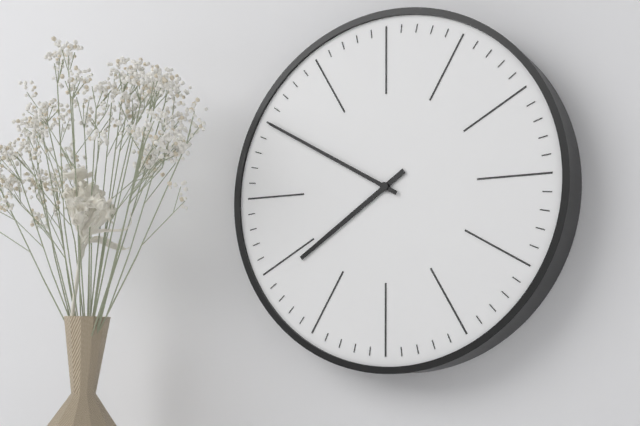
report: 7h50
